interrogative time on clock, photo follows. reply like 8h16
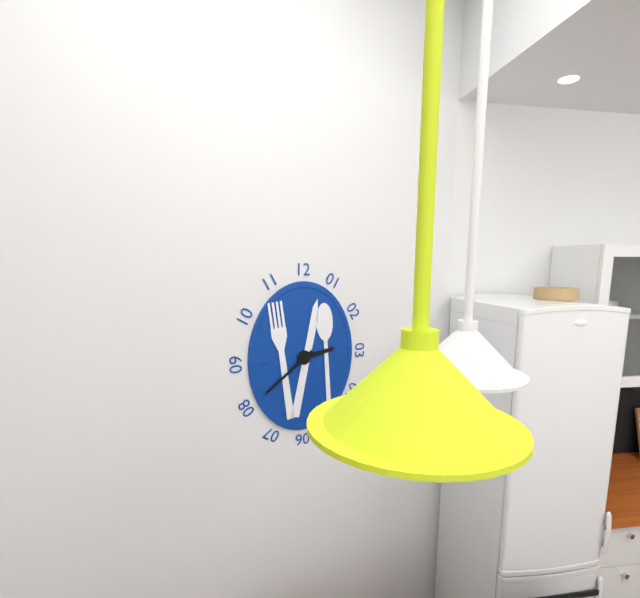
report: 2h39
